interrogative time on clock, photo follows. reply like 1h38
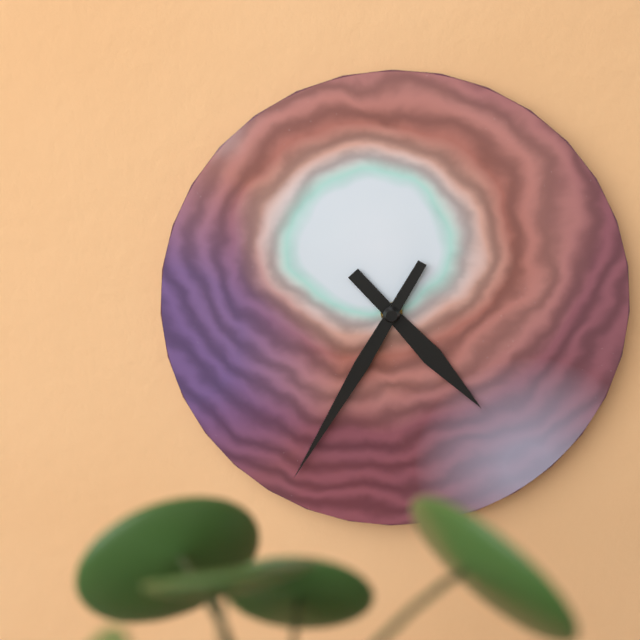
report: 4h35
